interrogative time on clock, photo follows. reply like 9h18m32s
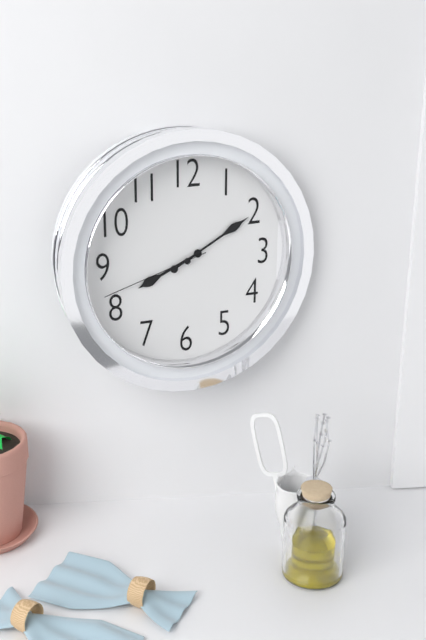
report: 8h10m42s
